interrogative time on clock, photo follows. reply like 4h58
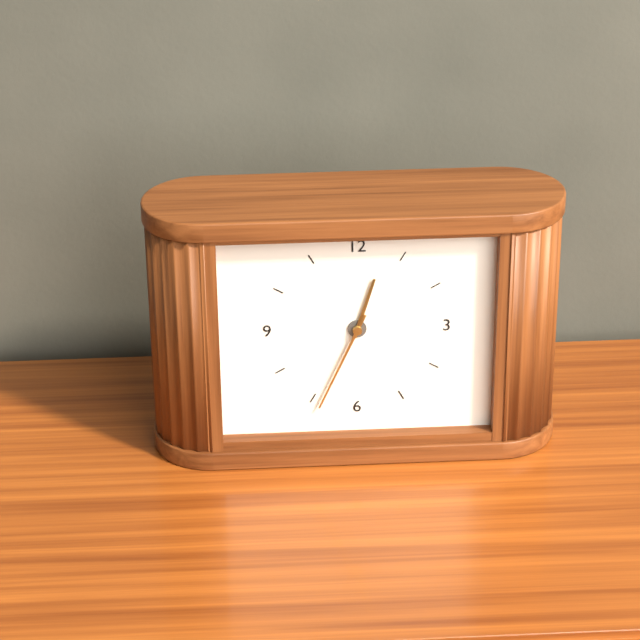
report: 12h34
